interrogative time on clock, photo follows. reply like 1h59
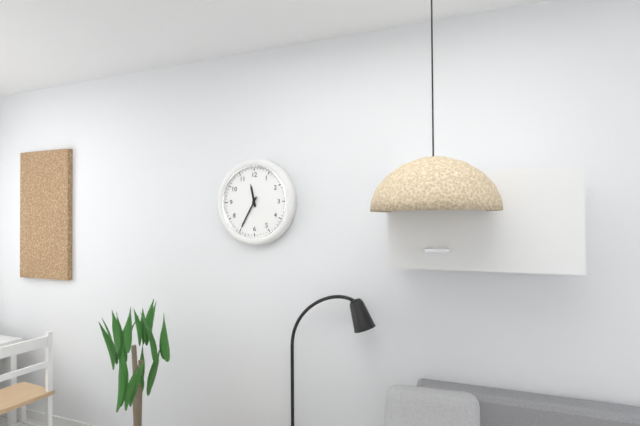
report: 11h35
